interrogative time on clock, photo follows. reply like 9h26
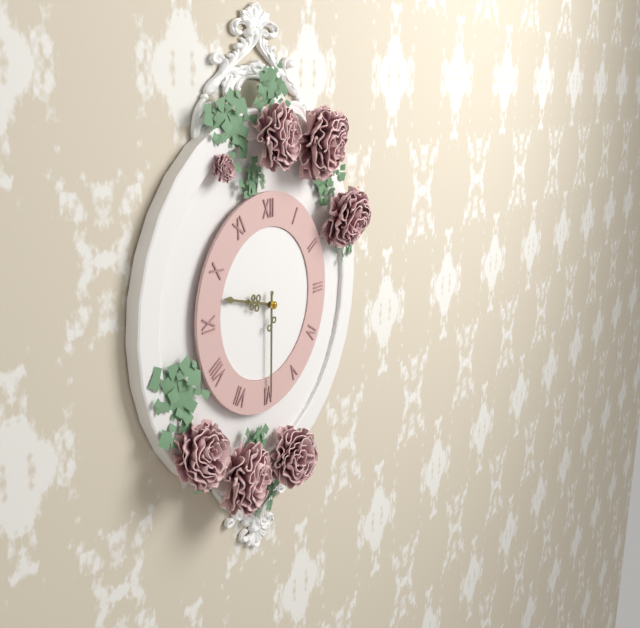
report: 9h30
